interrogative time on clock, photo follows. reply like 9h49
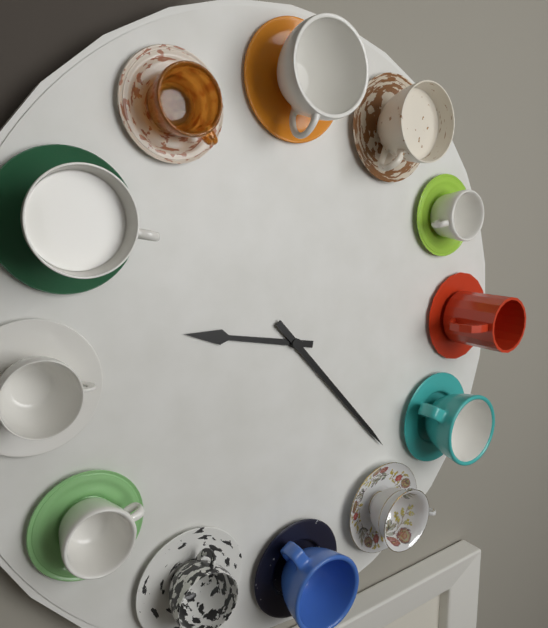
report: 9h23
